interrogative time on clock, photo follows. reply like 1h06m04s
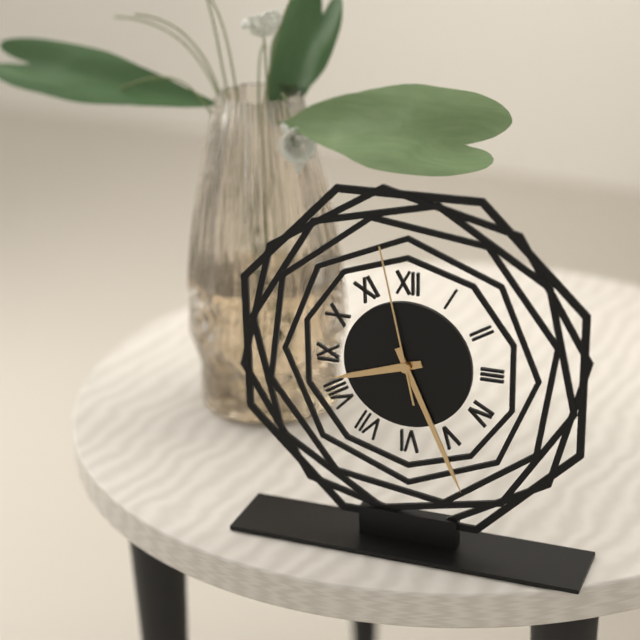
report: 8h26m58s
